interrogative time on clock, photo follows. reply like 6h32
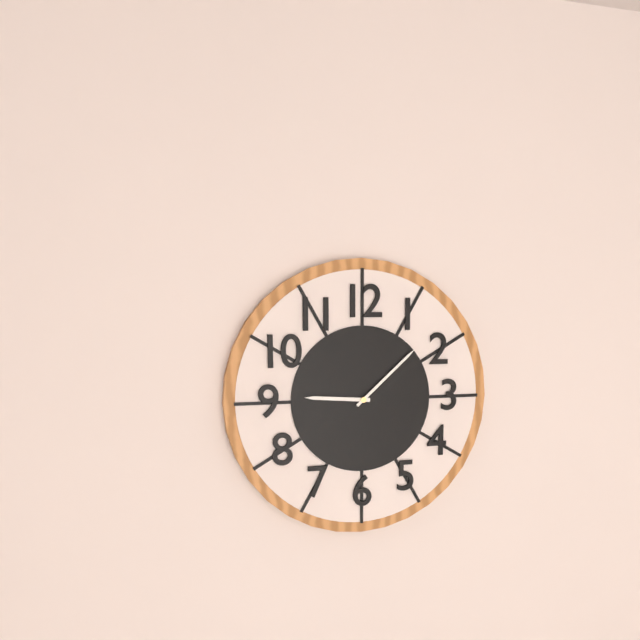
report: 9h08
